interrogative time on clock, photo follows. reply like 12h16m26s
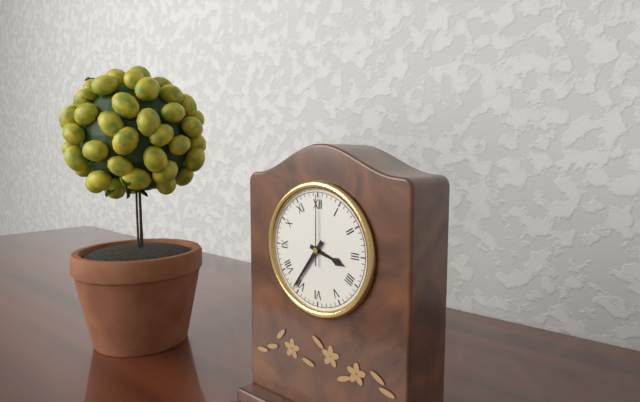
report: 3h36m00s
